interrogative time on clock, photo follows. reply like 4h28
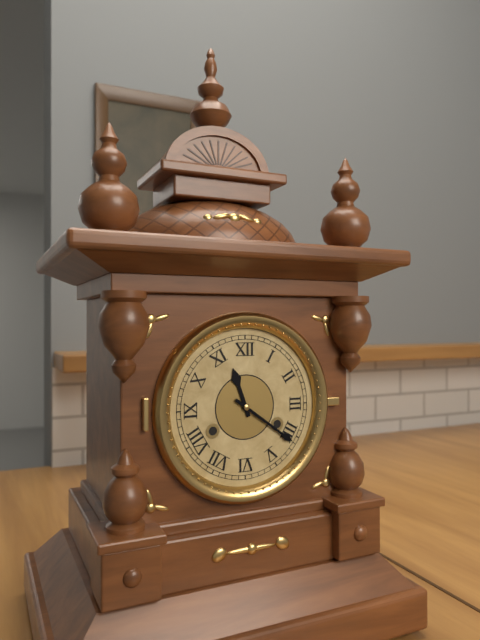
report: 11h21
